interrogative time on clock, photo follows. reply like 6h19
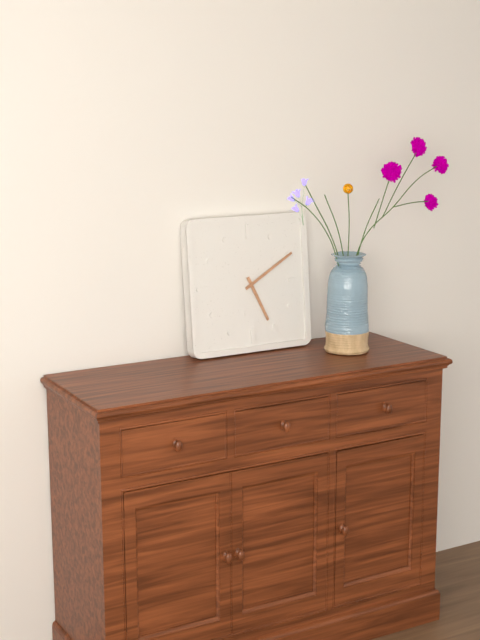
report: 5h10
